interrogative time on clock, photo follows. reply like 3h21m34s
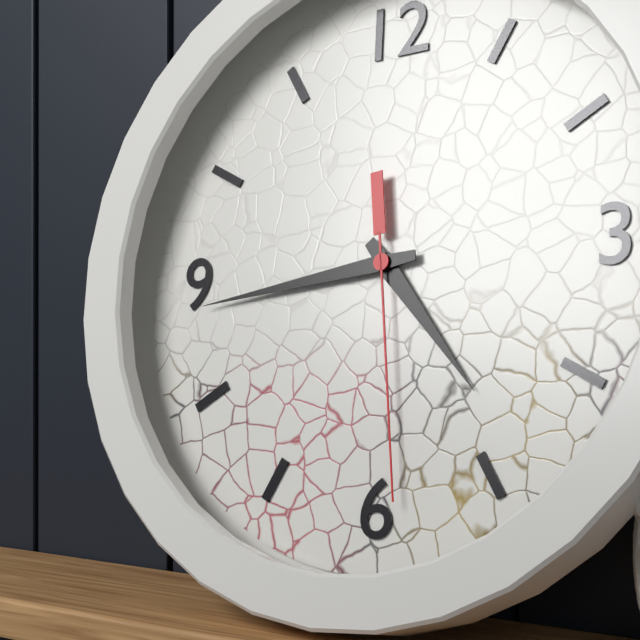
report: 4h44m29s
